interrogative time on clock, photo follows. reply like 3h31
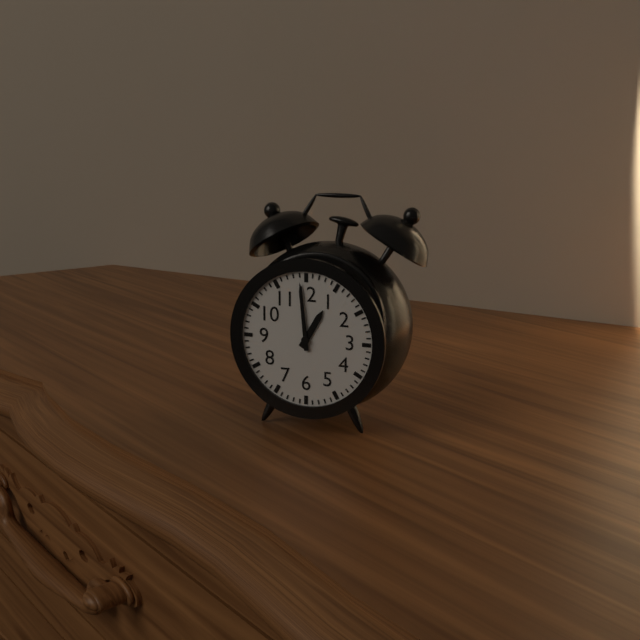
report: 12h59
